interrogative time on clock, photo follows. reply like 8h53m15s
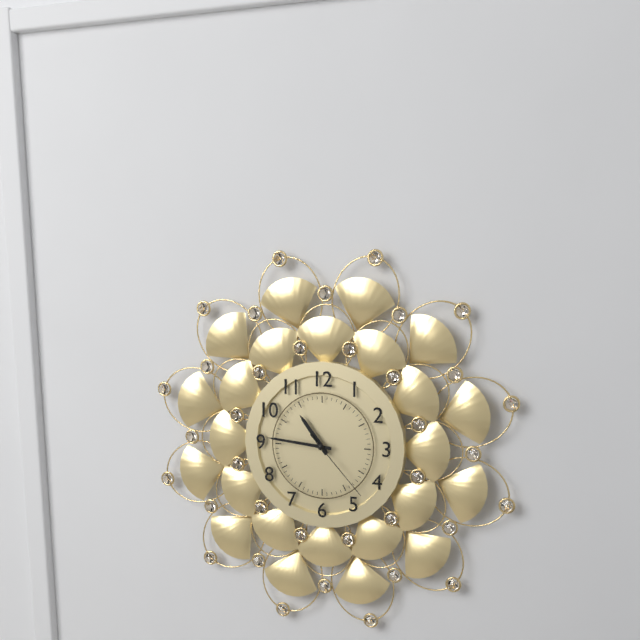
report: 10h46m23s
